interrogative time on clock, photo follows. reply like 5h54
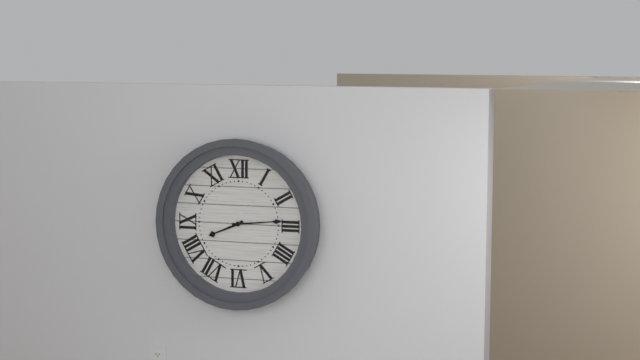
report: 8h14
